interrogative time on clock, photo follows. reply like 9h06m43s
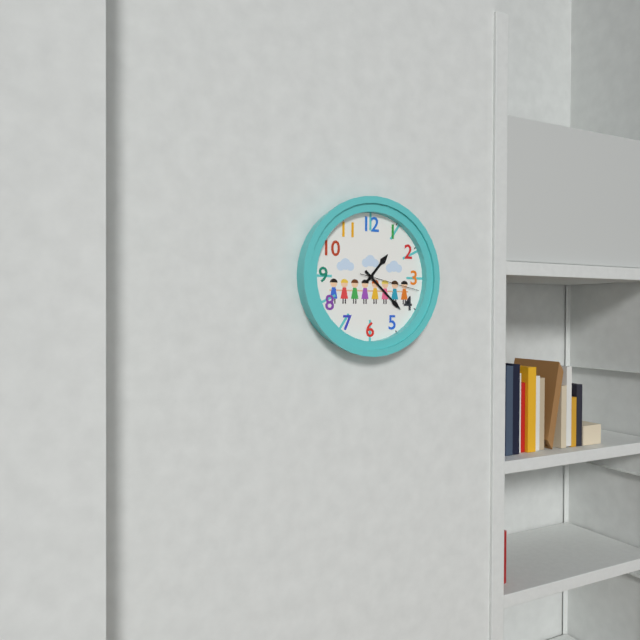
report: 1h22m17s
